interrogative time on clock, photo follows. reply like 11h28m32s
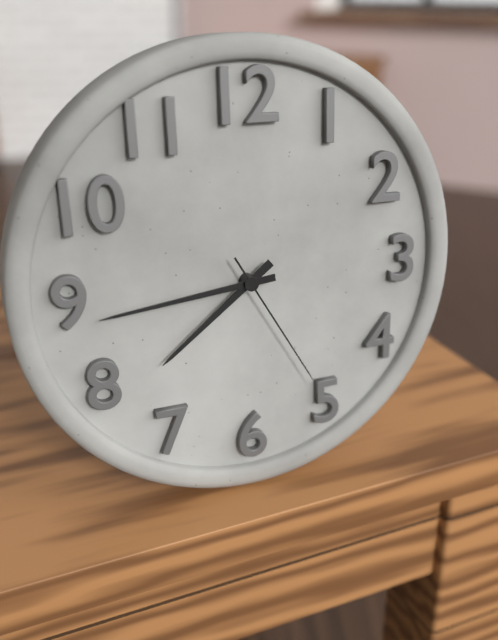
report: 7h44m25s
